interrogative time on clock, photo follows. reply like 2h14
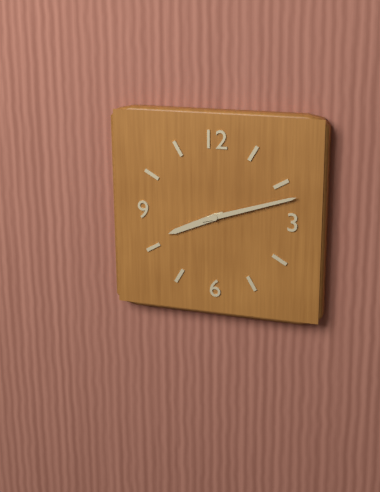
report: 8h12
